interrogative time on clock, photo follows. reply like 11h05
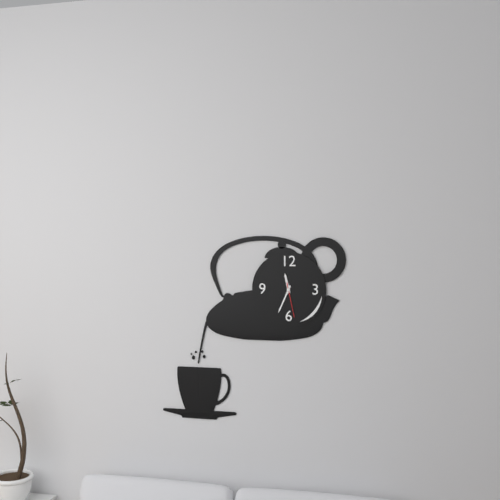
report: 11h34
